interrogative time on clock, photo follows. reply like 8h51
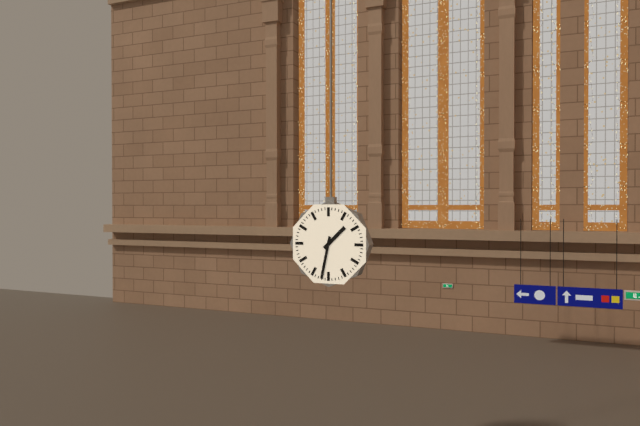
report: 1h32
